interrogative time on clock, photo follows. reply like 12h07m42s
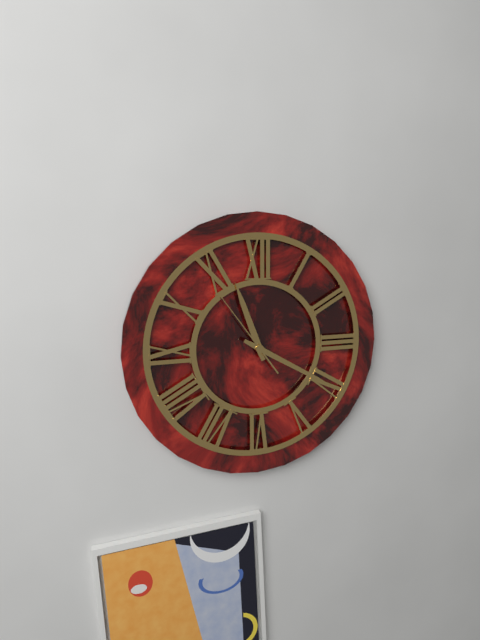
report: 11h20m54s
